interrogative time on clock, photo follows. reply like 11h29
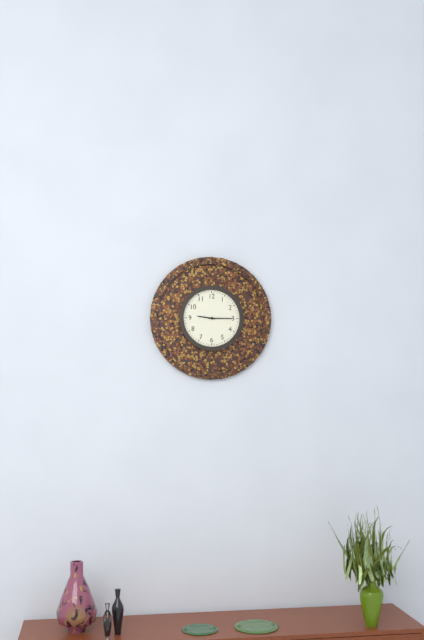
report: 9h15
